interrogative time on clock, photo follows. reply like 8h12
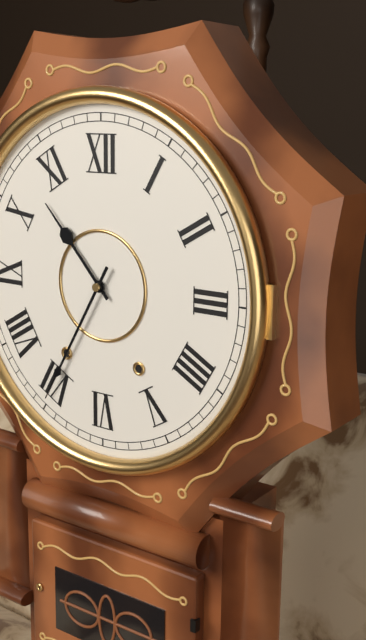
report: 10h35
